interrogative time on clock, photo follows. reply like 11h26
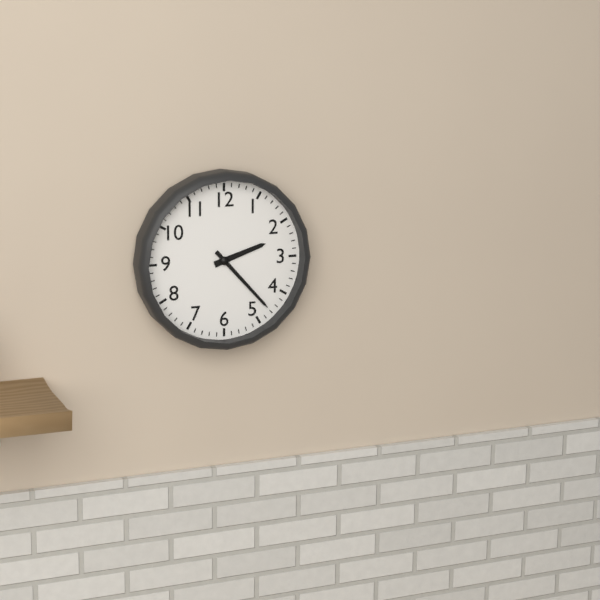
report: 2h23
